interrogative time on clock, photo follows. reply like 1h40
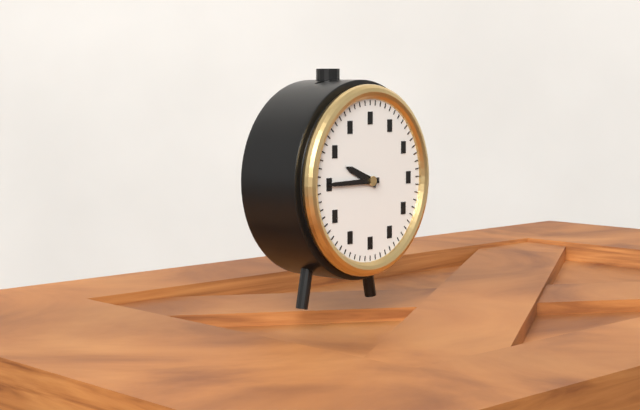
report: 9h45
